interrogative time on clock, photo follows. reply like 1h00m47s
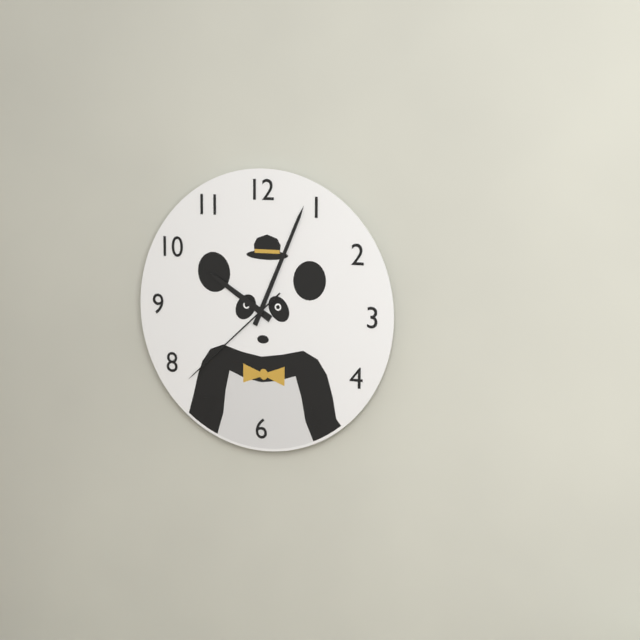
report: 10h04m38s
